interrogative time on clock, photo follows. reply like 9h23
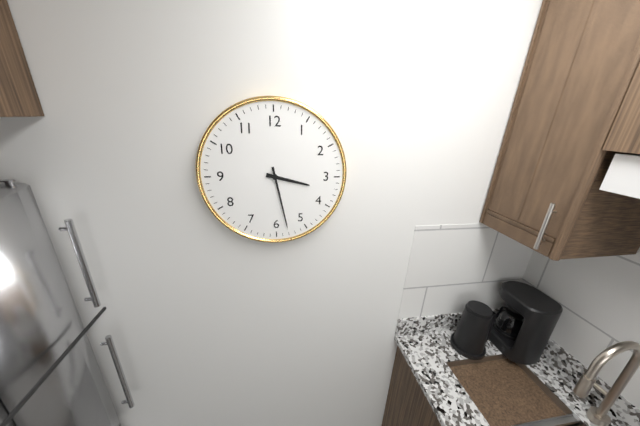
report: 3h28
